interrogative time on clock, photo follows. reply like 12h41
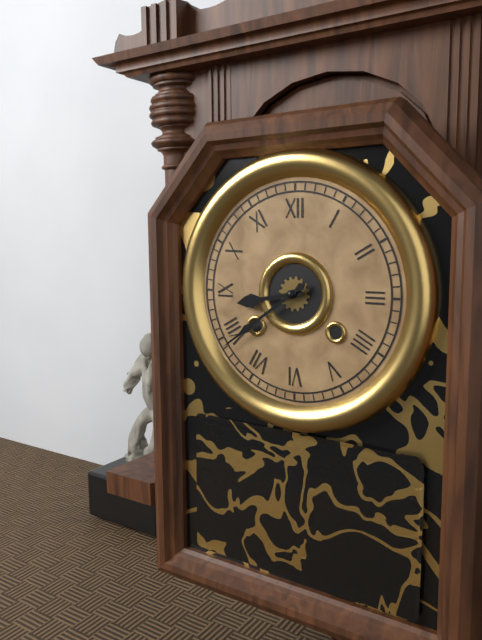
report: 8h39
